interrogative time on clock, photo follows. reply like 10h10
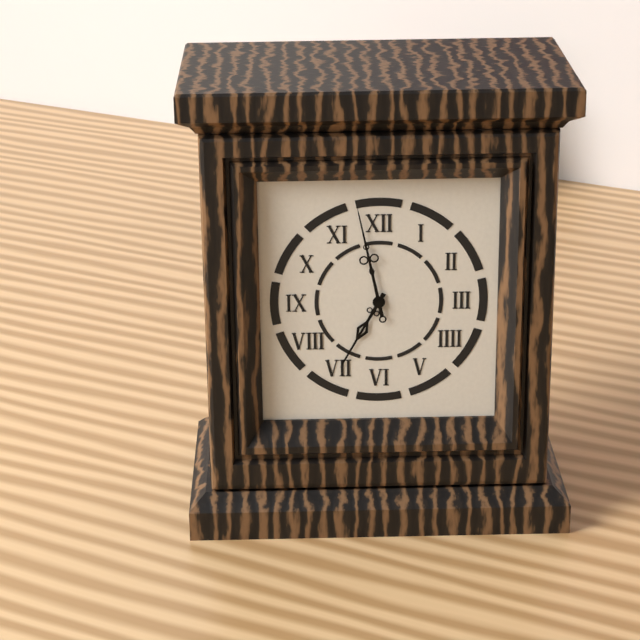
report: 6h58
